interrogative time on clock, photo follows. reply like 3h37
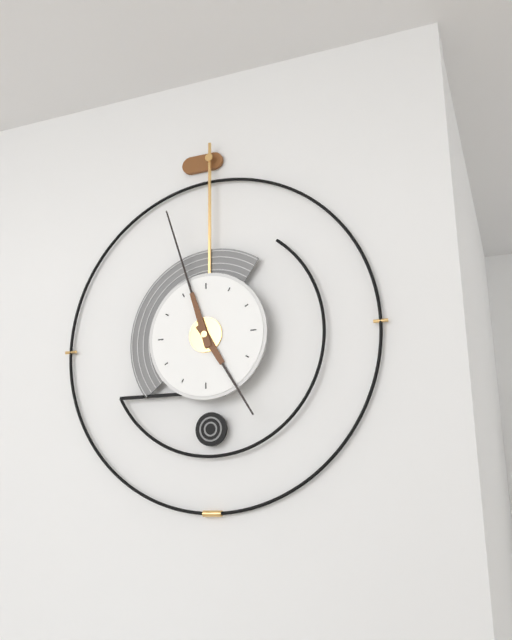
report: 4h57
